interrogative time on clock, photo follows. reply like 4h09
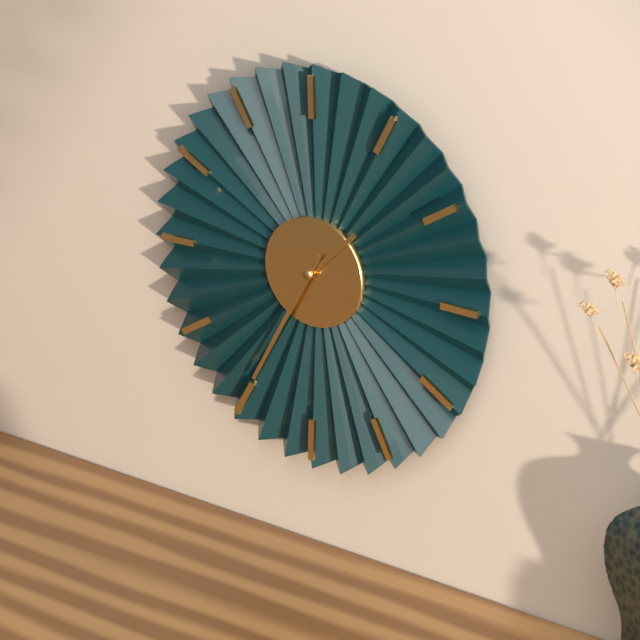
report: 1h35
